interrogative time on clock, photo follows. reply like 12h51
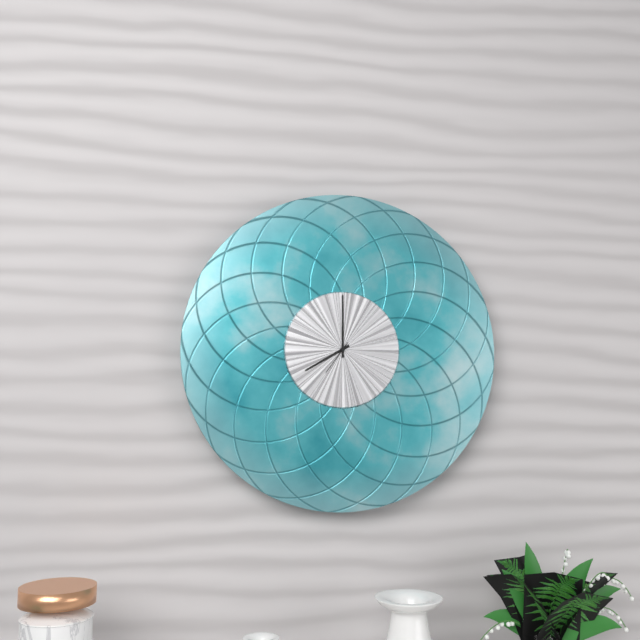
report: 8h00
